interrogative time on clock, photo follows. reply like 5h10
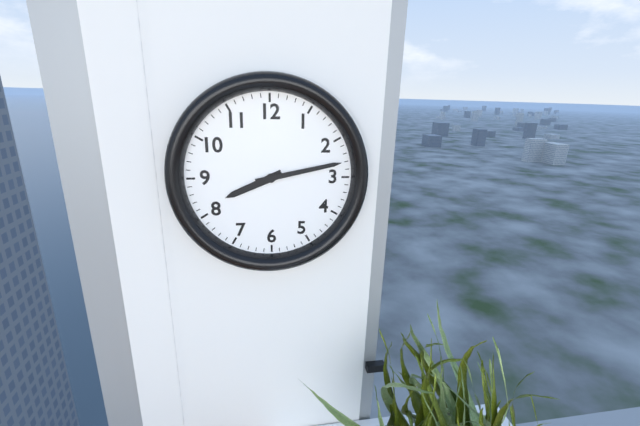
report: 8h13
